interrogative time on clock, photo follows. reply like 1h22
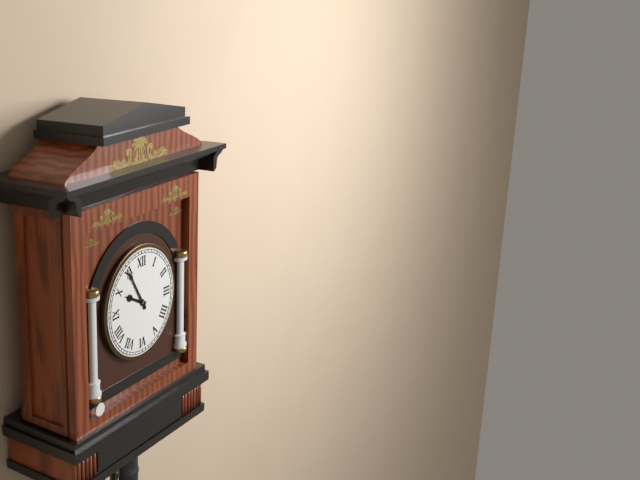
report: 9h55
